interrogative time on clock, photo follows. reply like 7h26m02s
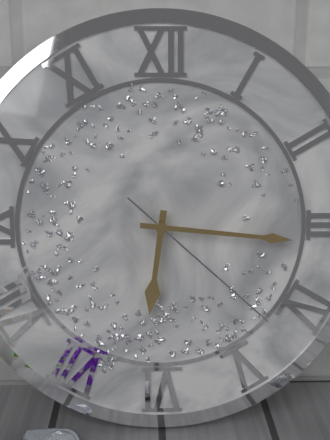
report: 6h16m22s
